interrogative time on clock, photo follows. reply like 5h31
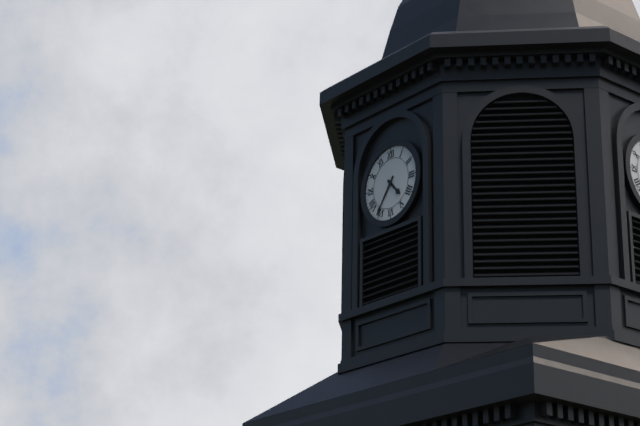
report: 4h36
